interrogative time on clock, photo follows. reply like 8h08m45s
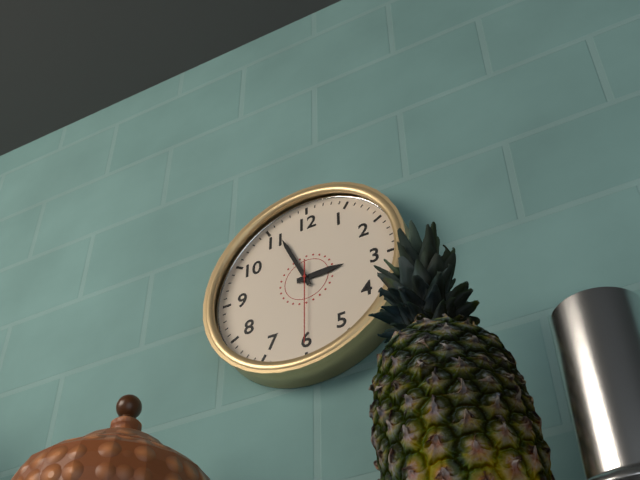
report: 2h56m30s
